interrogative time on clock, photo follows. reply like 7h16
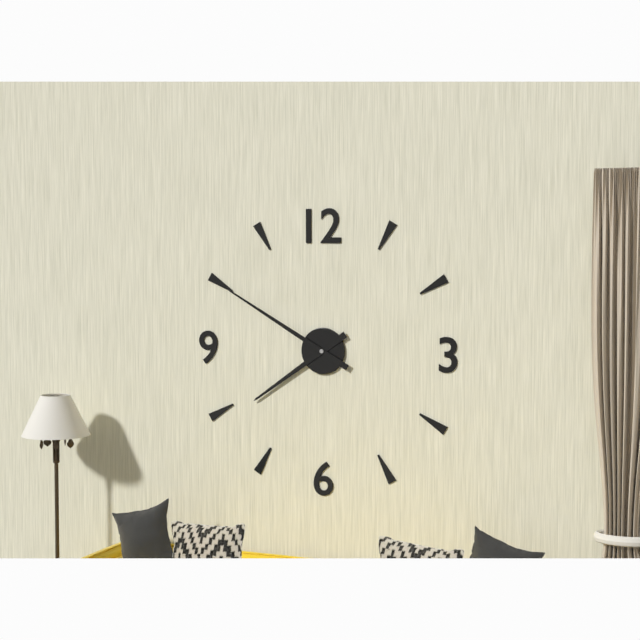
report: 7h50
